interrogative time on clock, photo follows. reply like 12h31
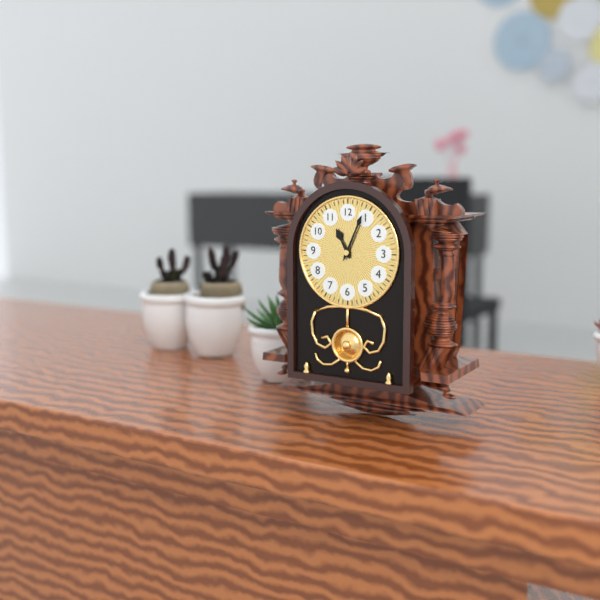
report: 11h04
